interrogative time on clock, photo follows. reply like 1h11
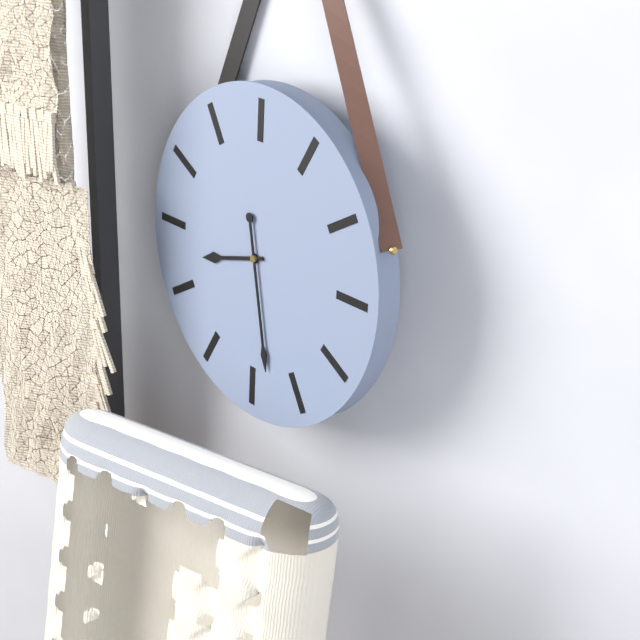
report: 8h28
